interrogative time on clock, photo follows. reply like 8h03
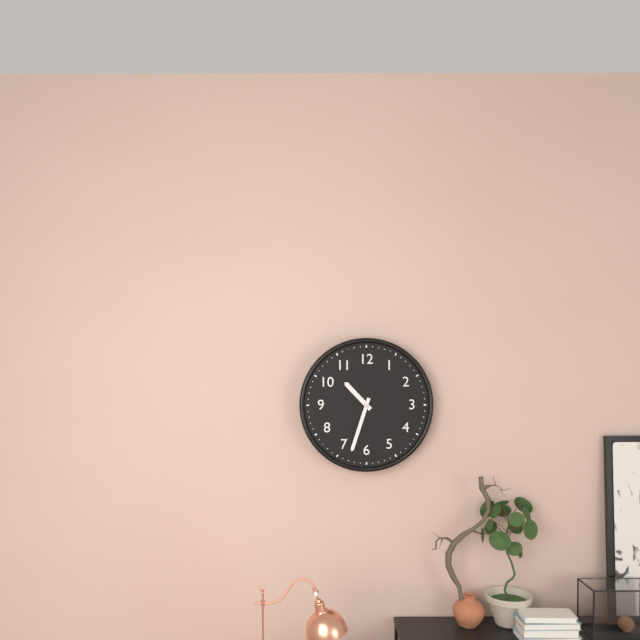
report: 10h33
